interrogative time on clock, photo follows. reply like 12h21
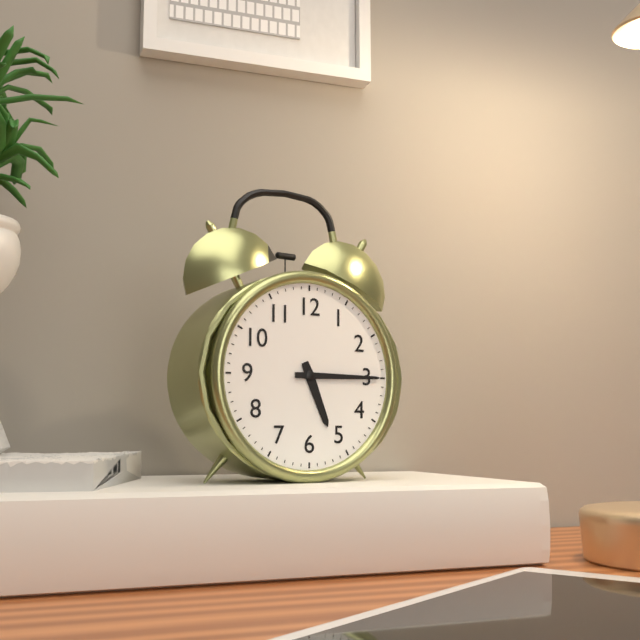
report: 5h15
